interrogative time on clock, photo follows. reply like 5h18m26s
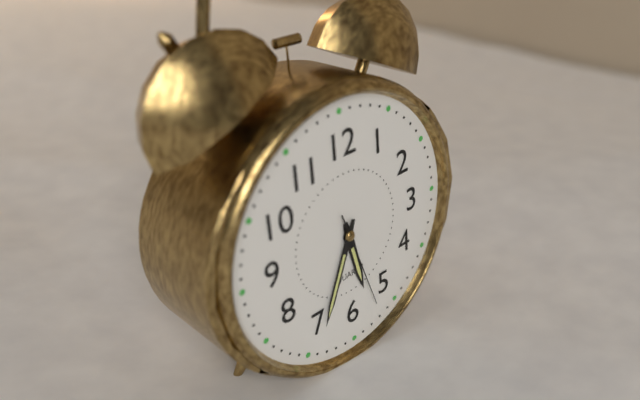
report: 5h34m27s
